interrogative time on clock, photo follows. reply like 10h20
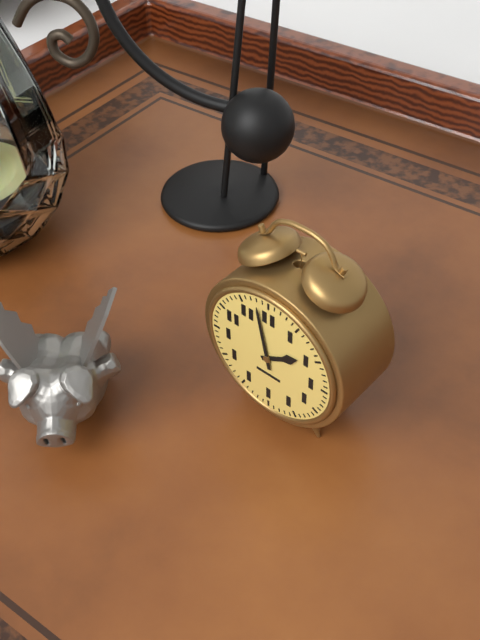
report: 1h58
